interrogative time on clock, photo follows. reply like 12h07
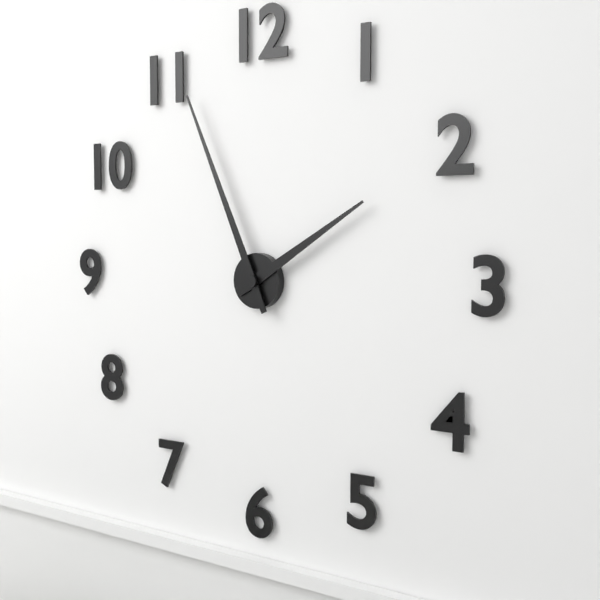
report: 1h56
